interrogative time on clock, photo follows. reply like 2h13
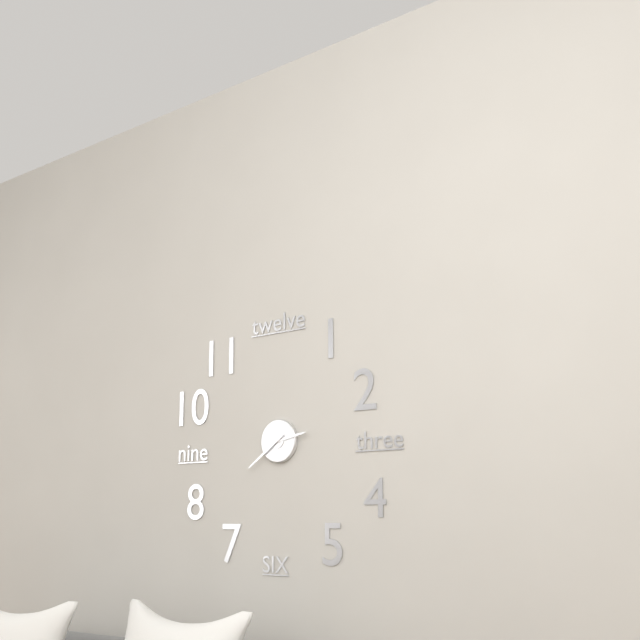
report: 2h39
